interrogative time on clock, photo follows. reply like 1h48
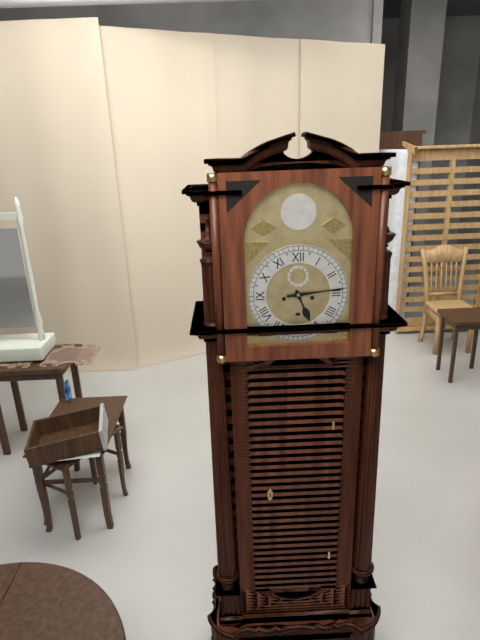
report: 5h14
